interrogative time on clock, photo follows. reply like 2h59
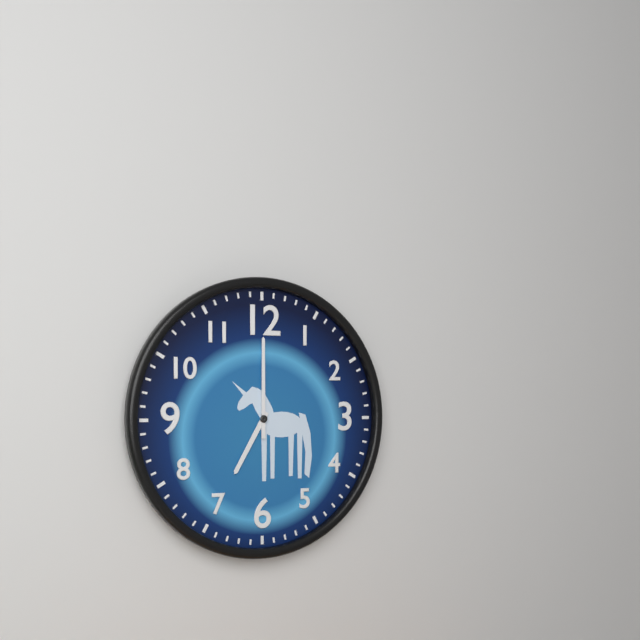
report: 7h00
